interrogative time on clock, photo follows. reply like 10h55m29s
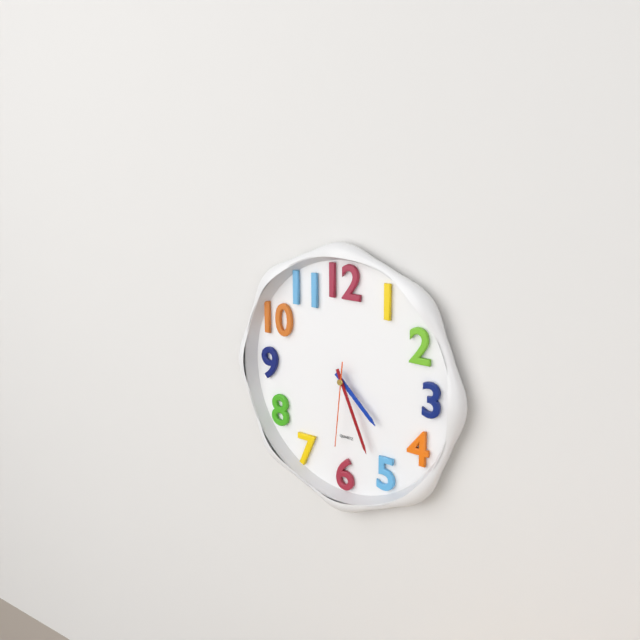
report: 4h26m31s
